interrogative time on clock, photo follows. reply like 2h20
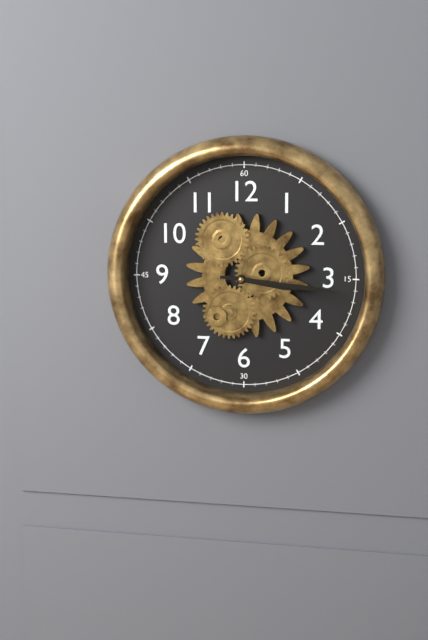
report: 3h16
